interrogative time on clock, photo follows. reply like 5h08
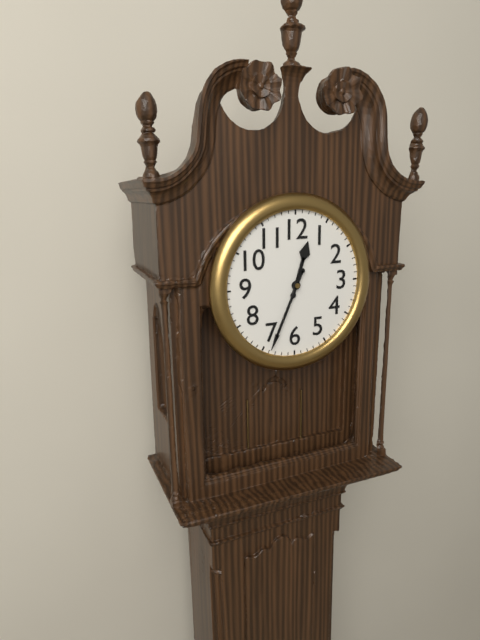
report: 12h34
